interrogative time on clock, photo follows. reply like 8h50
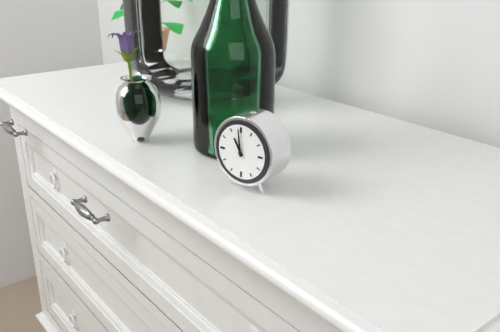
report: 10h59
